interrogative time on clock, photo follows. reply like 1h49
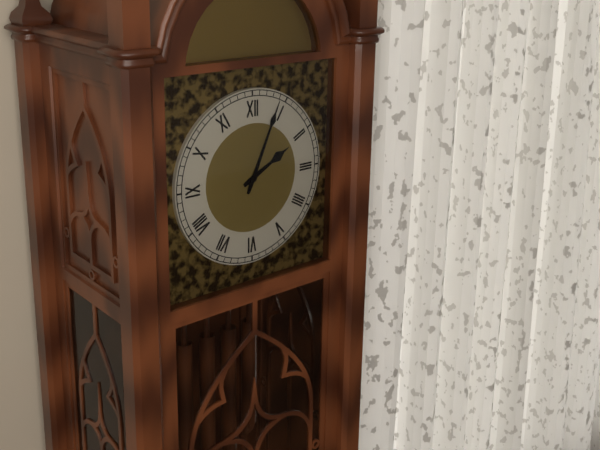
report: 2h04
